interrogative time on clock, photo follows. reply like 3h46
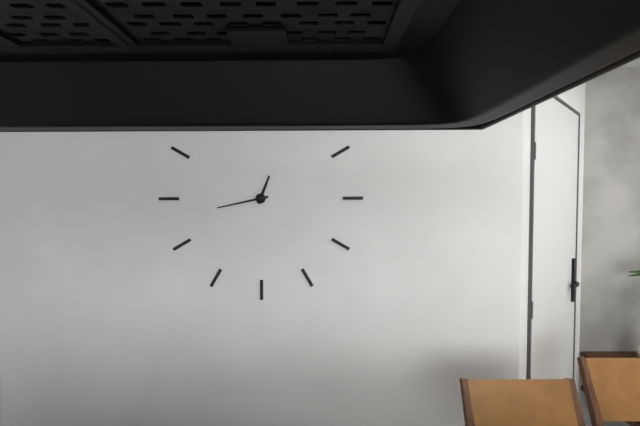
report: 12h43
